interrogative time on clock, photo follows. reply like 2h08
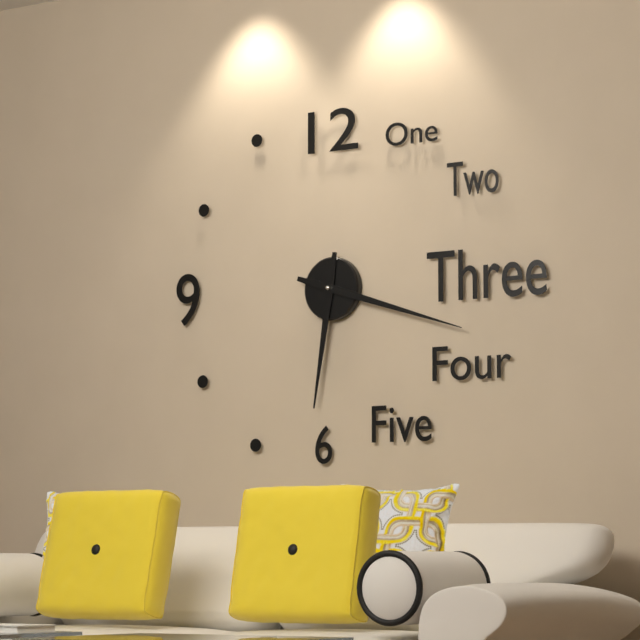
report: 6h18
